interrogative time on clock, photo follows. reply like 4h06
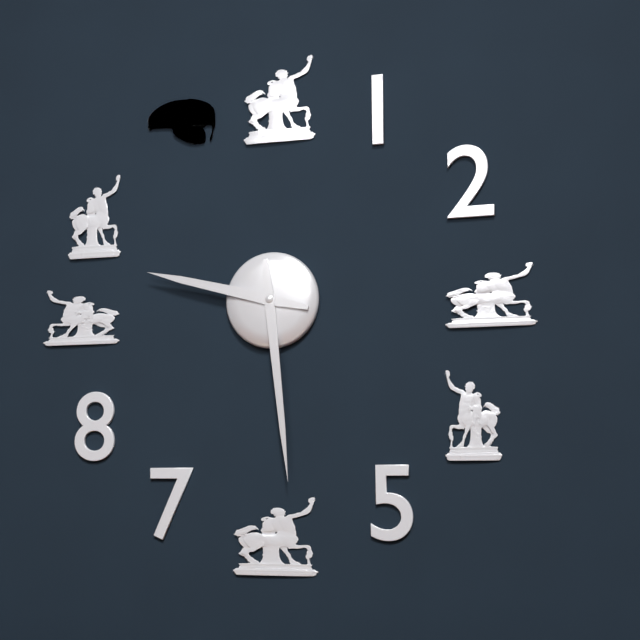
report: 9h29
